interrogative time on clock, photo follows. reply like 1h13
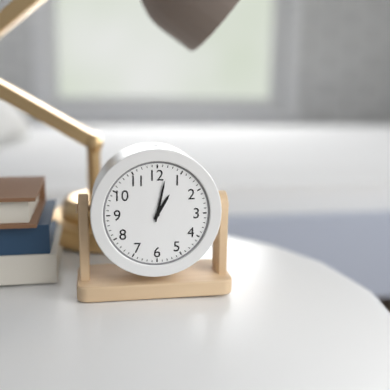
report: 1h02
